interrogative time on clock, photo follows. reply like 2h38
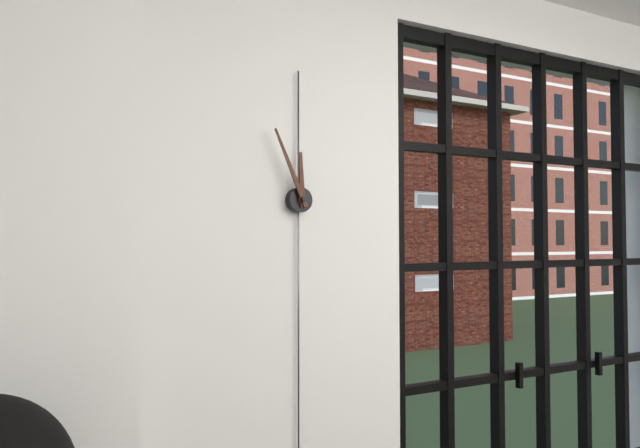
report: 11h56
